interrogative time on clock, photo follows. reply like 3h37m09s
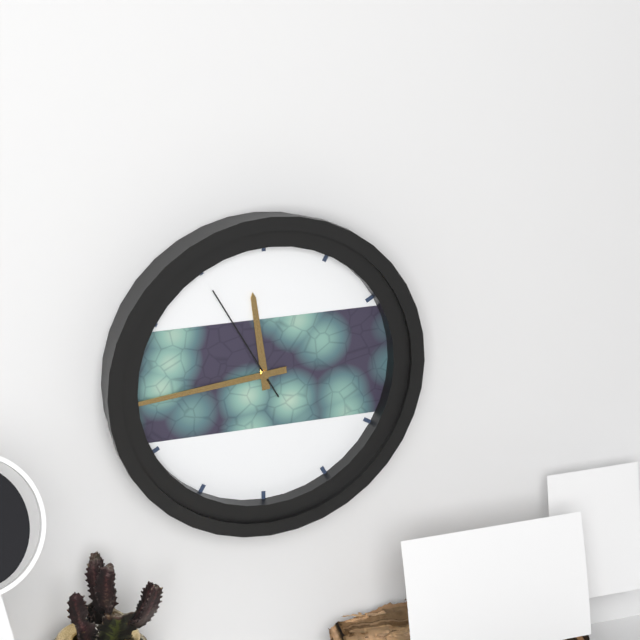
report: 11h44m55s
